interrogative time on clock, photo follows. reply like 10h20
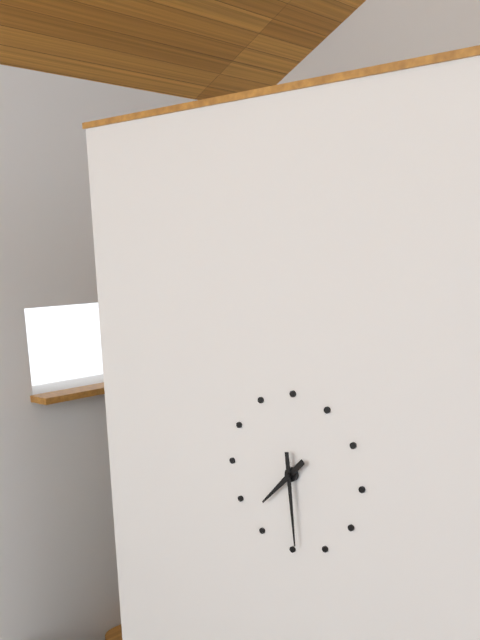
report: 7h29
